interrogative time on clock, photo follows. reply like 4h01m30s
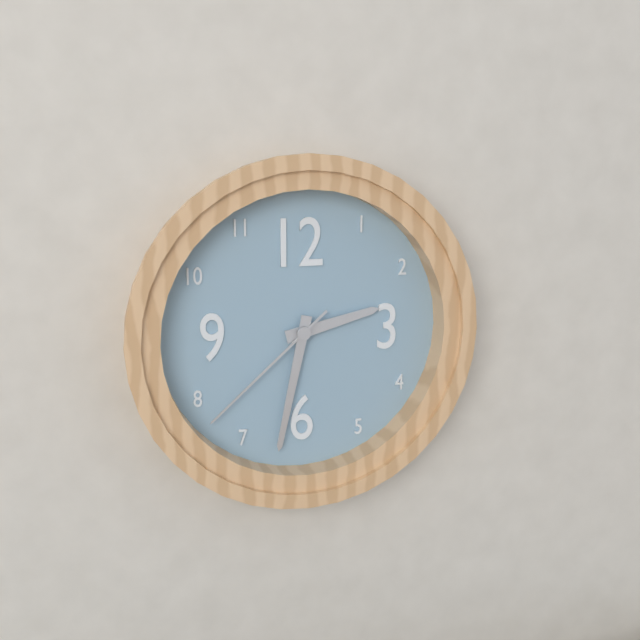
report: 2h32m38s
